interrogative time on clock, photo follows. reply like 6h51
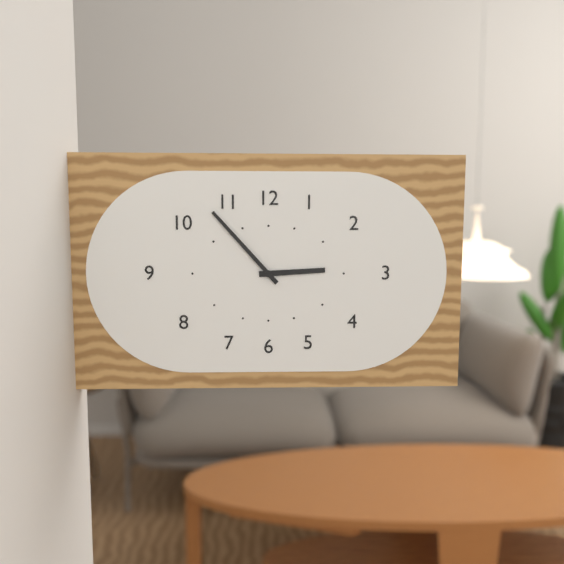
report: 2h53
